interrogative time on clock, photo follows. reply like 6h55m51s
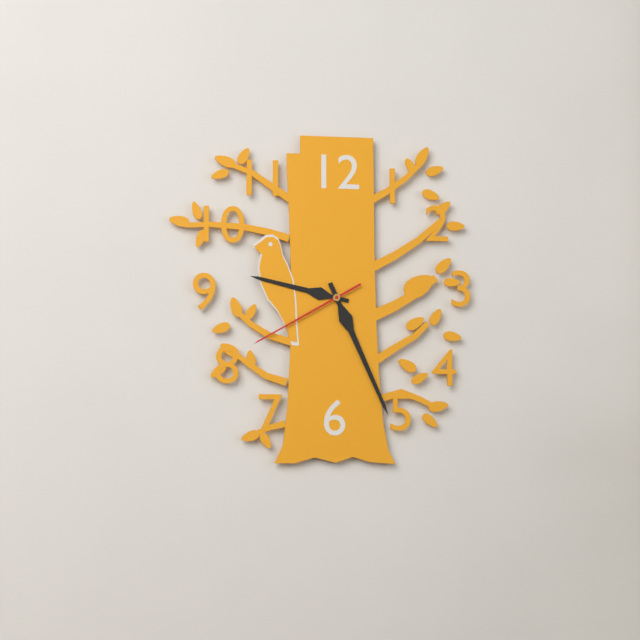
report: 9h26m40s
